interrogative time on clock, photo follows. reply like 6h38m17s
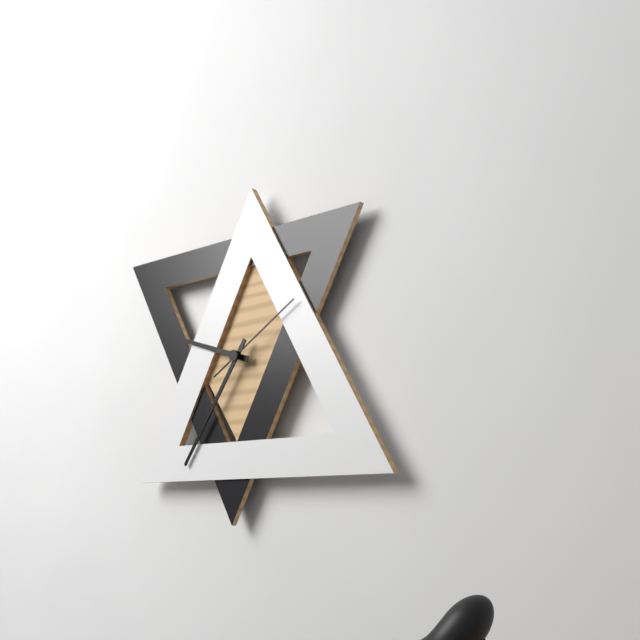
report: 9h36m10s
